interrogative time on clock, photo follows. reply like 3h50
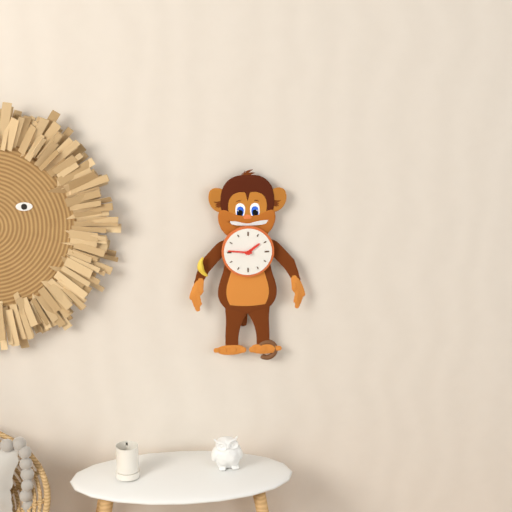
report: 1h46
